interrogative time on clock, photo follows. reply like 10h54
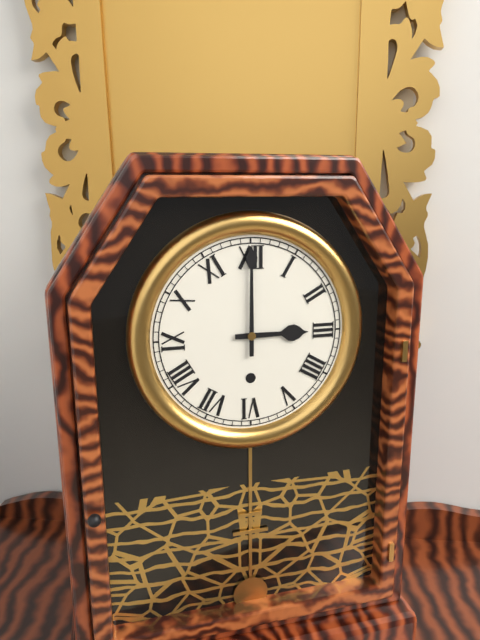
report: 3h00
